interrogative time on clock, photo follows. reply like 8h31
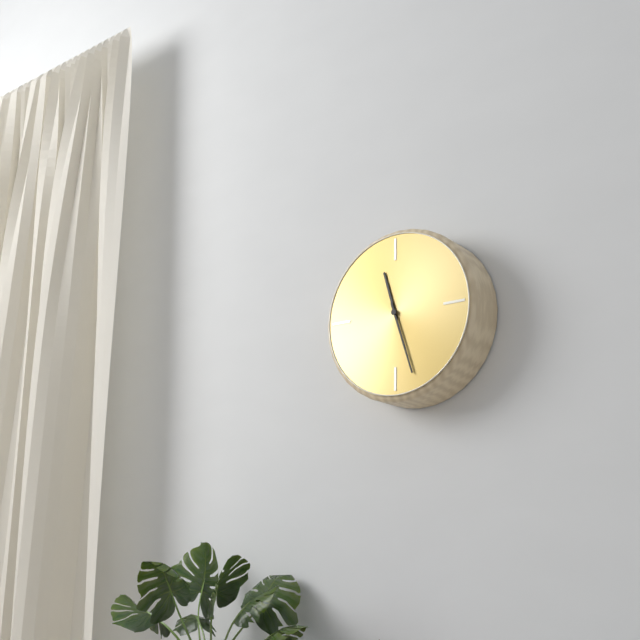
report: 11h27
